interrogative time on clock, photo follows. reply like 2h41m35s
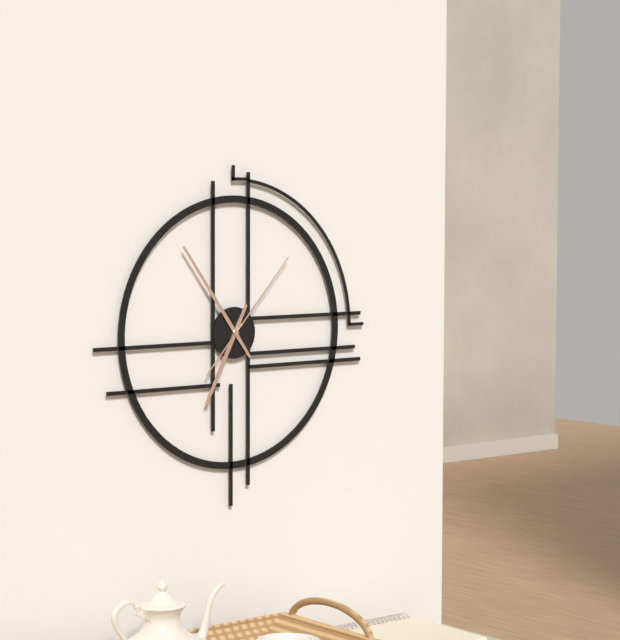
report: 6h54m07s
